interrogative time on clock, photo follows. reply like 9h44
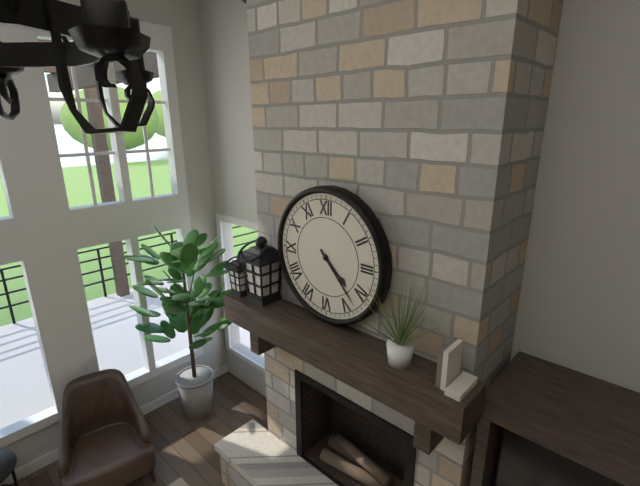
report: 4h23
